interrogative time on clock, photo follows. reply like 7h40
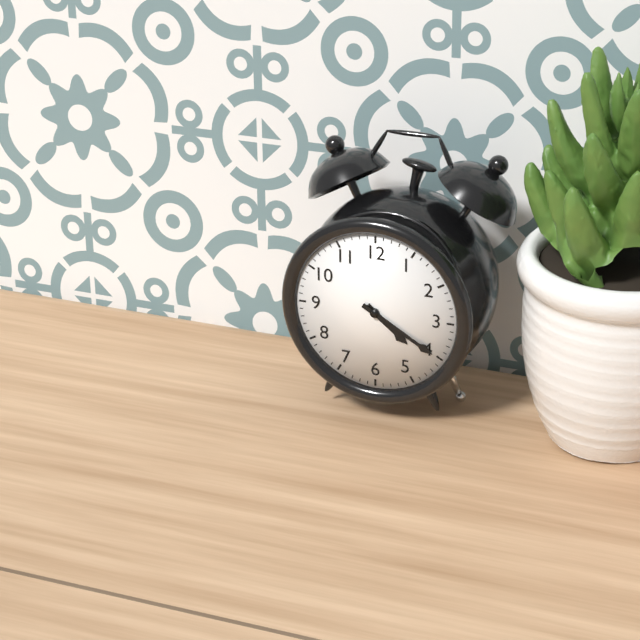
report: 4h20
